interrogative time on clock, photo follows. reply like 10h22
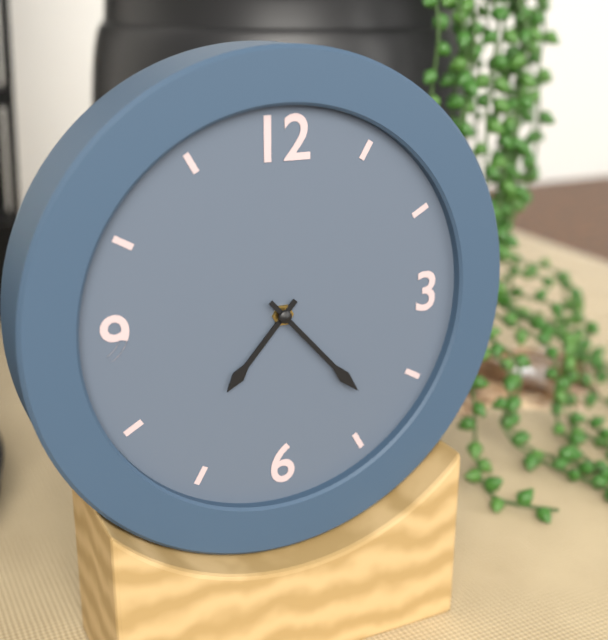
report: 7h23
